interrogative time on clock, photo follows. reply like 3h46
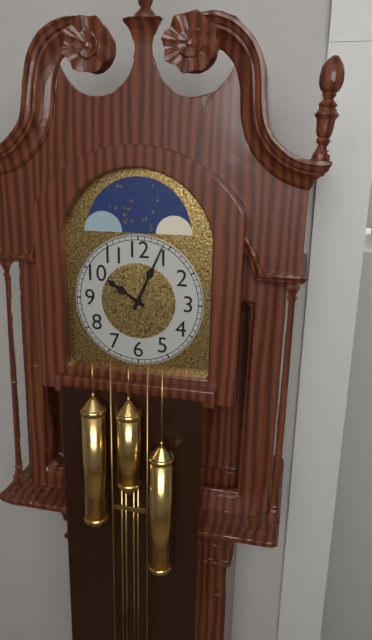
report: 10h04
